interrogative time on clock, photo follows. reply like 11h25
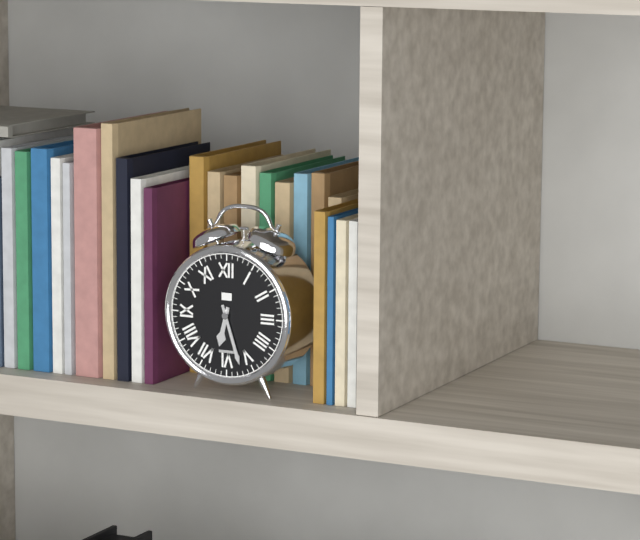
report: 6h27
